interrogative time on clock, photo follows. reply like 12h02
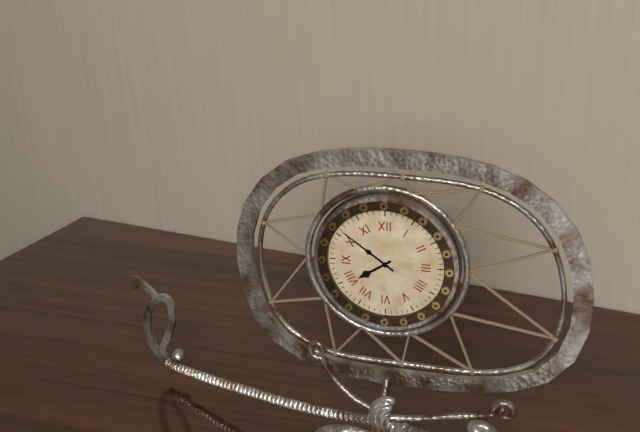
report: 7h51
